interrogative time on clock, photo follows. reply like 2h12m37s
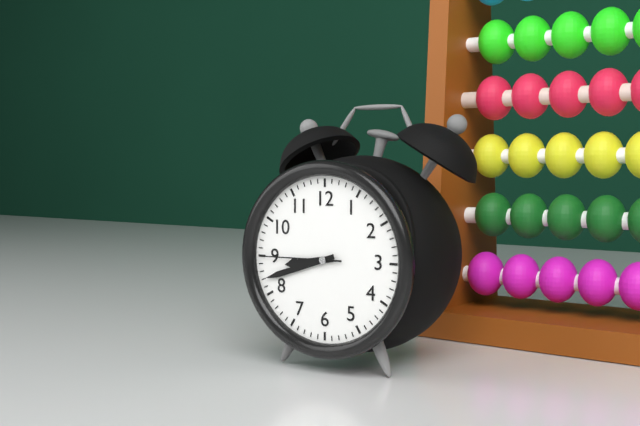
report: 8h42m45s
